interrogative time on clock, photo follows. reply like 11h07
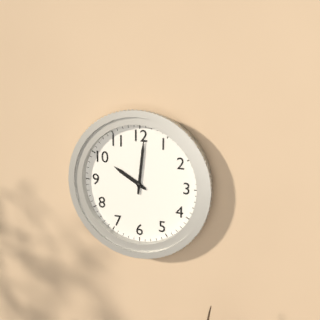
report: 10h01
